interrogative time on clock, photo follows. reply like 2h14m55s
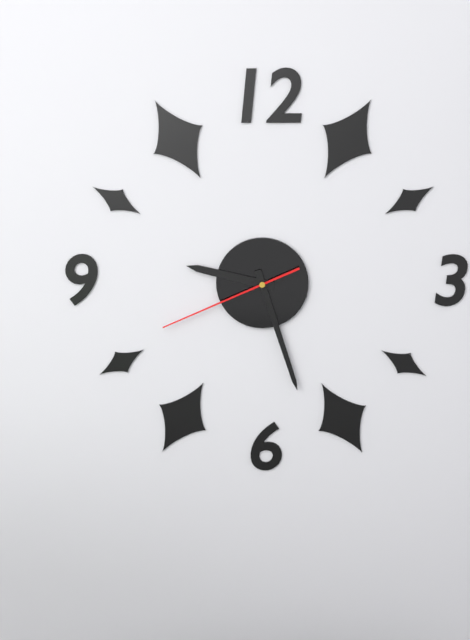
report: 9h27m41s
